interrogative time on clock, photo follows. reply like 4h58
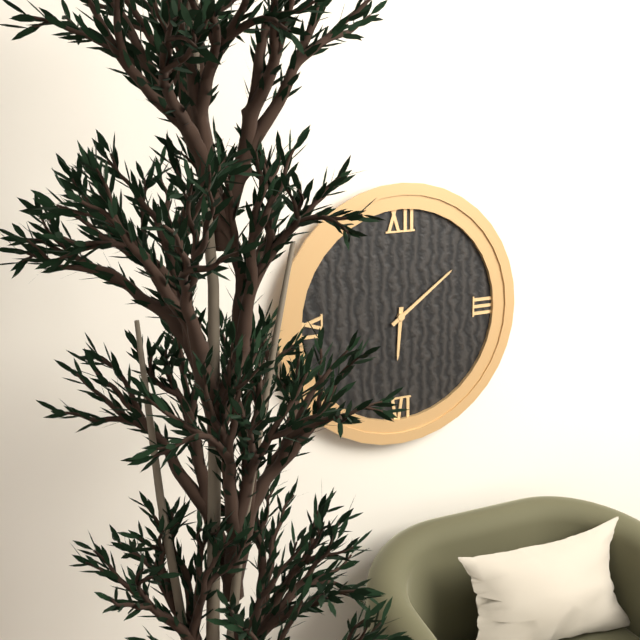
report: 6h09
